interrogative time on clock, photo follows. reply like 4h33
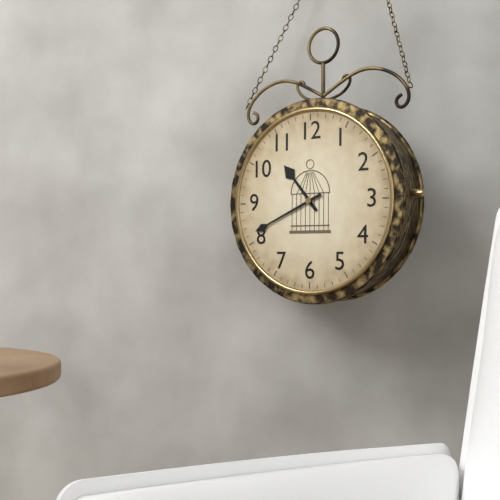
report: 10h41
